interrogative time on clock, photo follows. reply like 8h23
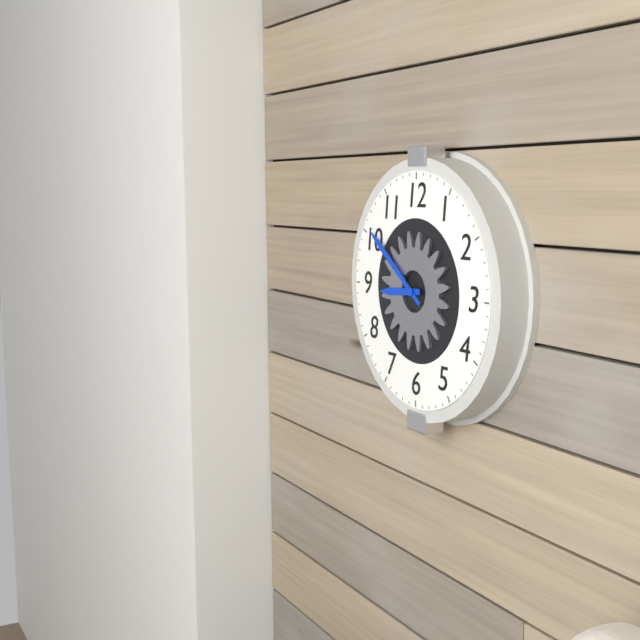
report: 8h51
